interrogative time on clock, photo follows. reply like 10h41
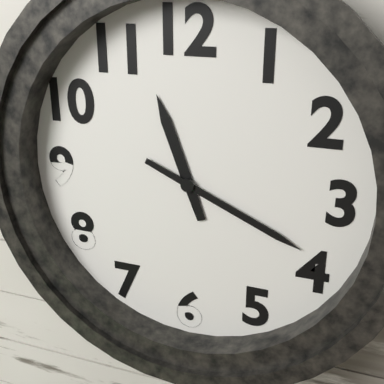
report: 11h19
